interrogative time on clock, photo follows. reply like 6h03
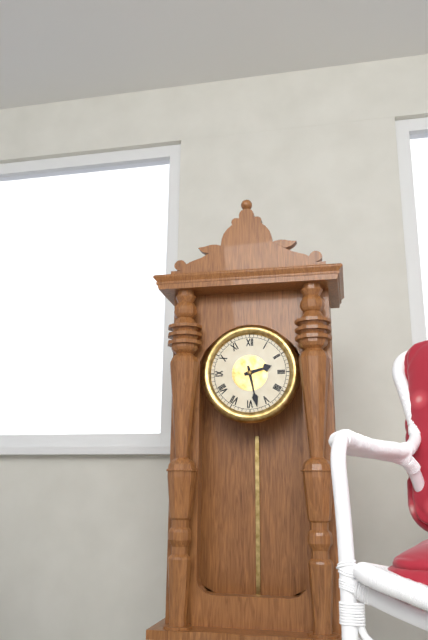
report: 2h28
